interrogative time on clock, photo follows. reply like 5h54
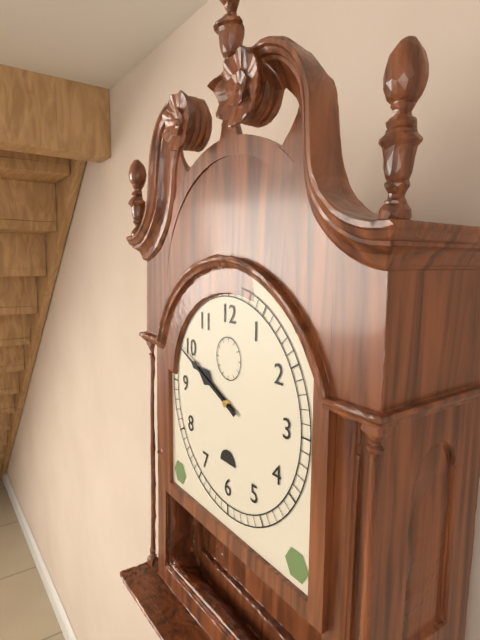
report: 9h49
